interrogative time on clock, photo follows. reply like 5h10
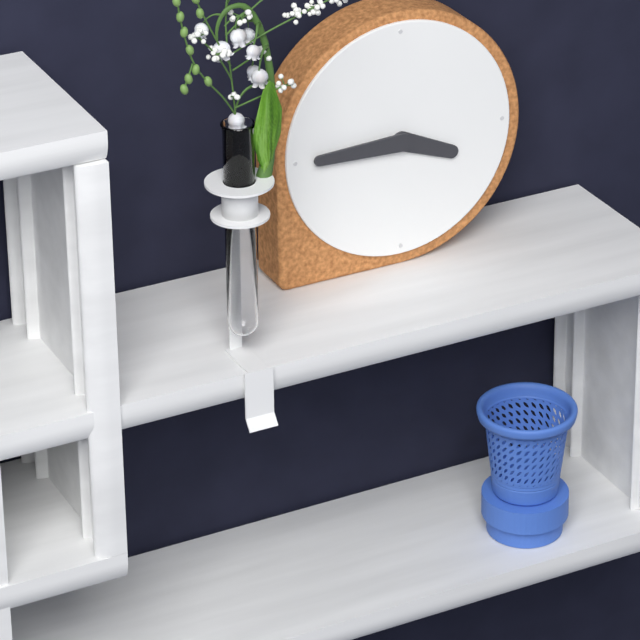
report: 3h45
